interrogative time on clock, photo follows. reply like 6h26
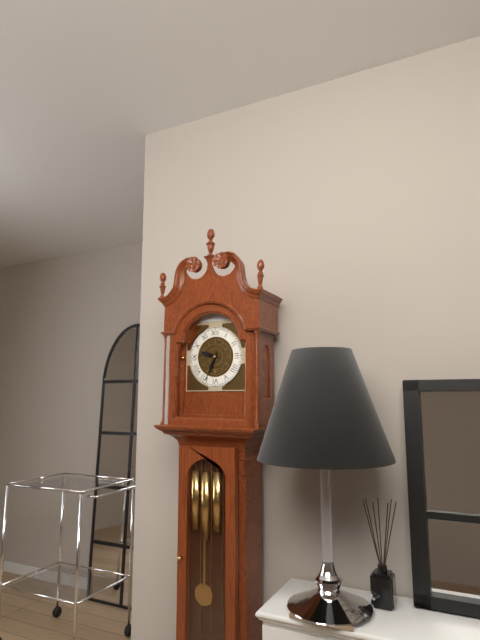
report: 9h34
